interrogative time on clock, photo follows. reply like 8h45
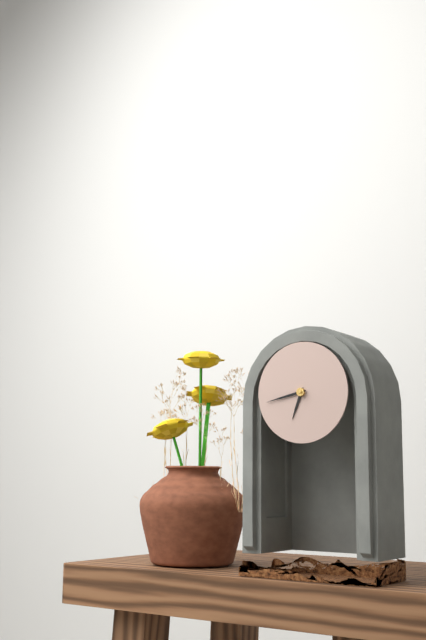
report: 6h43
